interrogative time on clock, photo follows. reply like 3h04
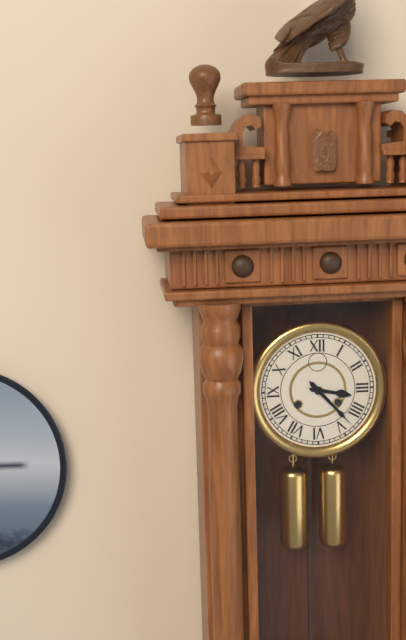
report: 3h23
